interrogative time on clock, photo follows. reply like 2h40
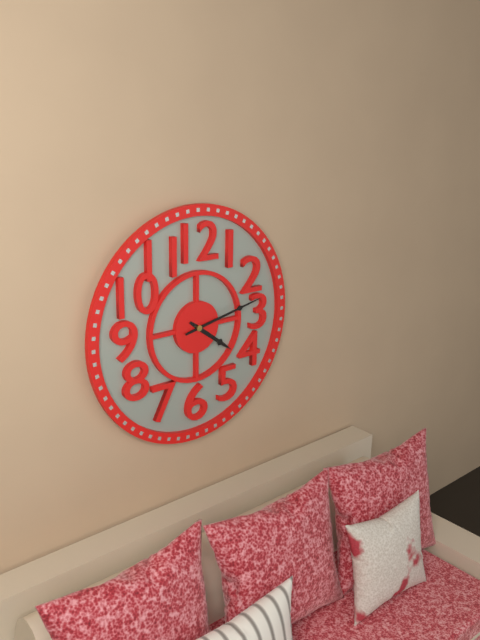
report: 4h13
